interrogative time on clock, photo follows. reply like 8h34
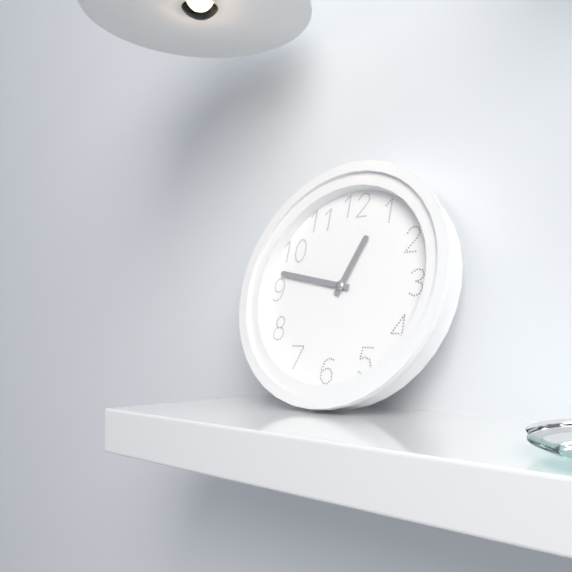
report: 12h47
